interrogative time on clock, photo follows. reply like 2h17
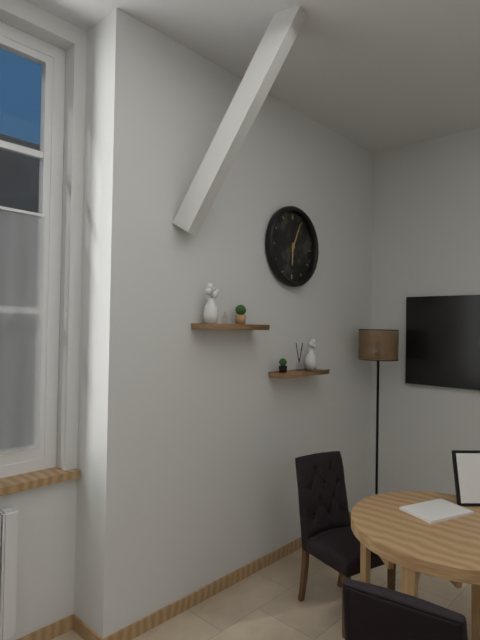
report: 6h04
